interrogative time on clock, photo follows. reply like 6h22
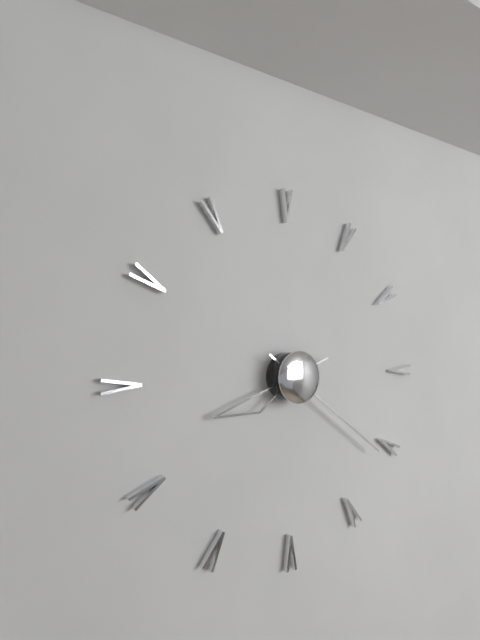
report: 8h21
